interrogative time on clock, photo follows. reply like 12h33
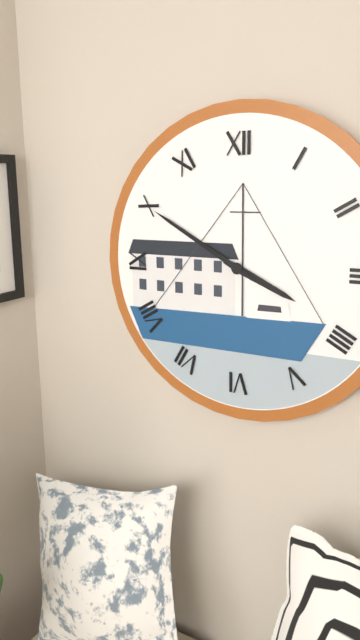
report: 3h50
